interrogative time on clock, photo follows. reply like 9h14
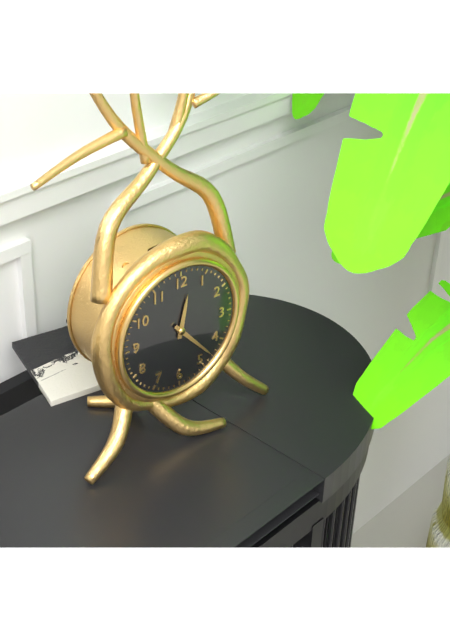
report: 12h23
